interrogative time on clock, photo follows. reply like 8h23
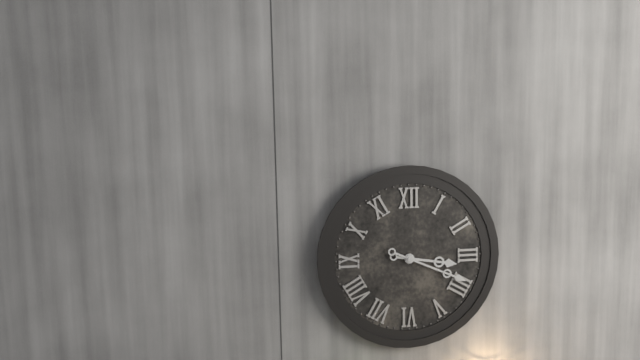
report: 3h19
